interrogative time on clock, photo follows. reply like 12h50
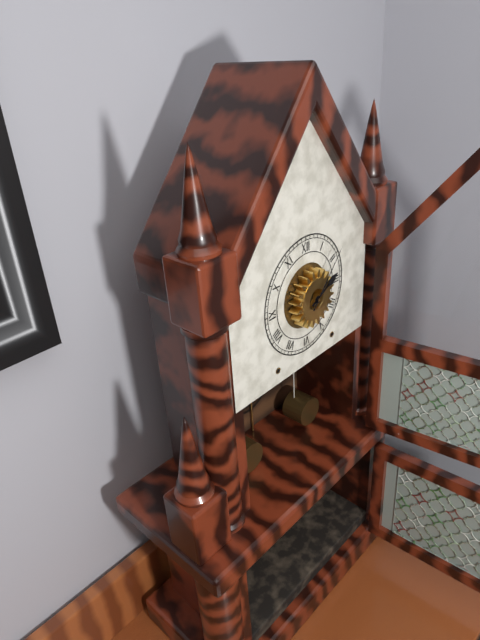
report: 2h07
